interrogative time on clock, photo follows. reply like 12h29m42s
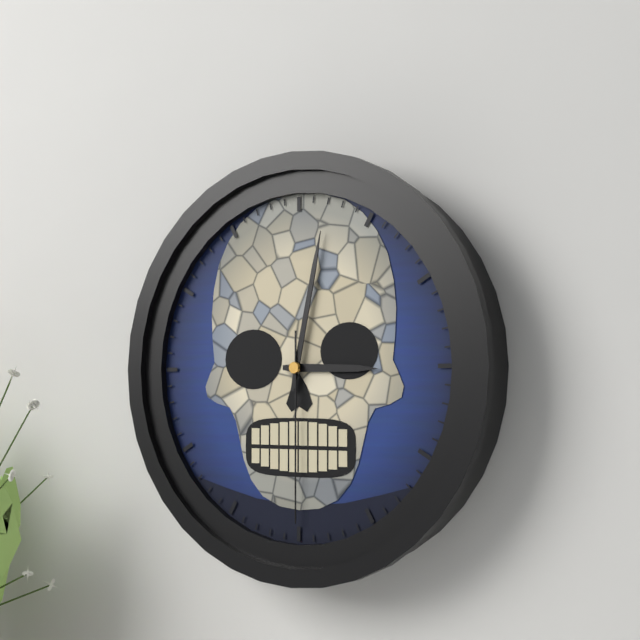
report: 3h02m30s
